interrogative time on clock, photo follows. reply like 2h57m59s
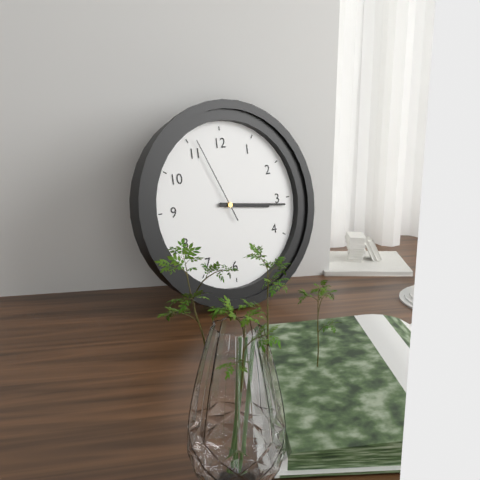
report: 3h16m56s
